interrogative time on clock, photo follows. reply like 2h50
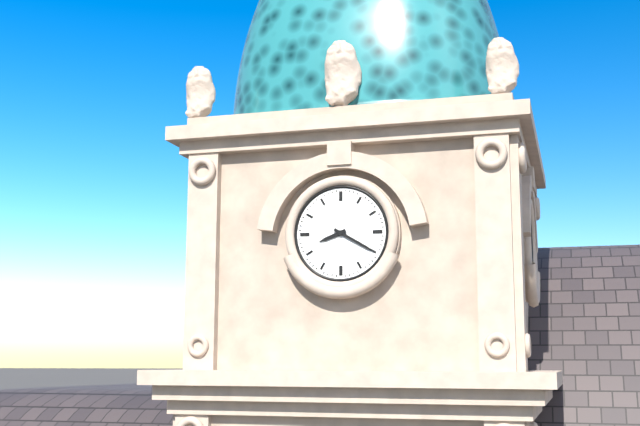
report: 8h20
